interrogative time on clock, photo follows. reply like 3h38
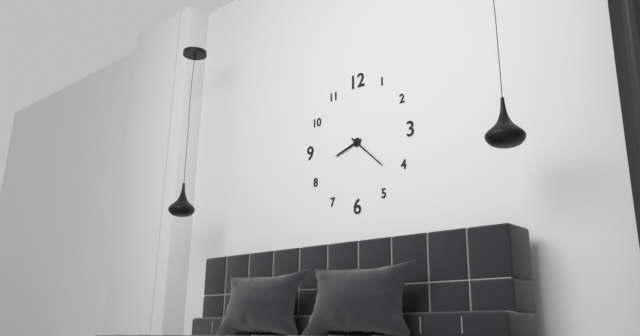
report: 8h22
